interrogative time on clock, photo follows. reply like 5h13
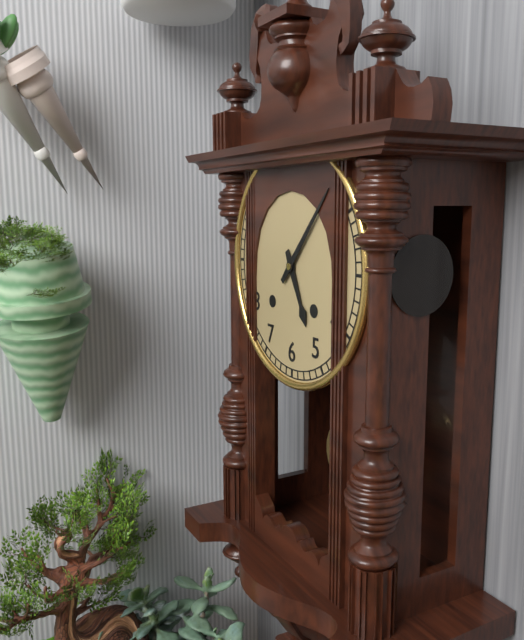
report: 5h07
